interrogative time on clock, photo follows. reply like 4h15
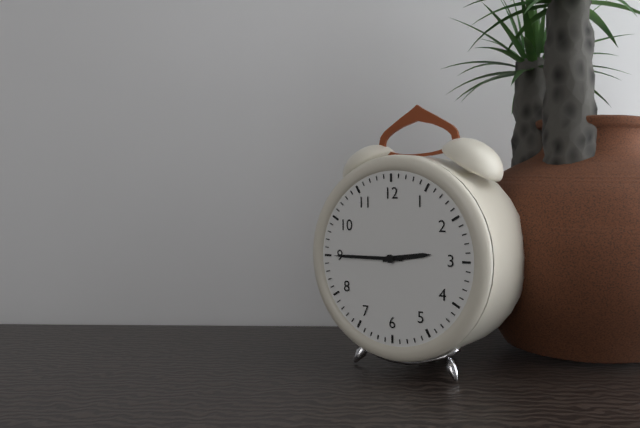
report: 2h45
